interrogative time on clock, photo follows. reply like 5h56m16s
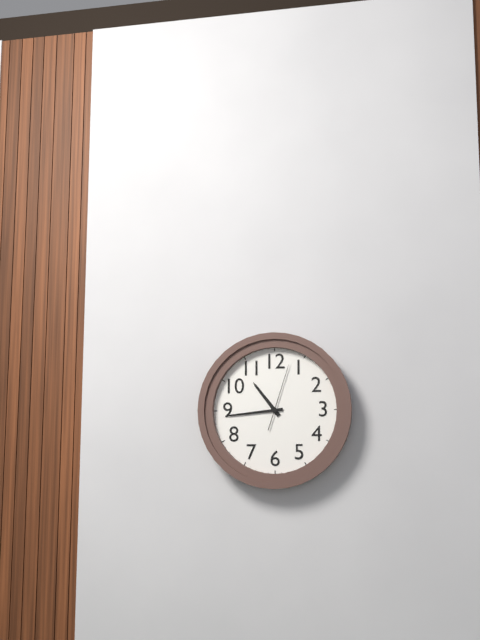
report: 10h44m03s
